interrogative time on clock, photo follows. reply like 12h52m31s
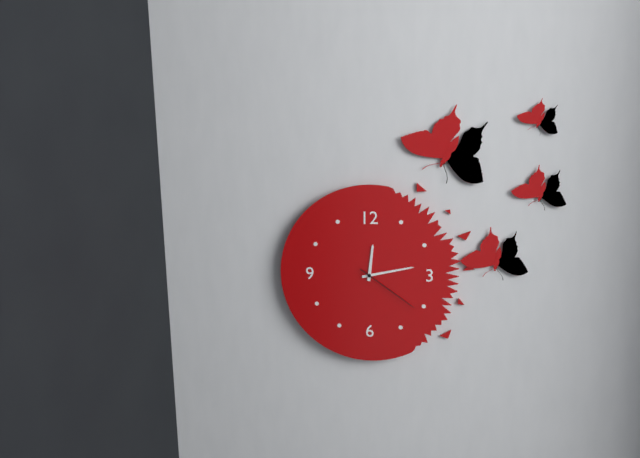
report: 12h13m21s
